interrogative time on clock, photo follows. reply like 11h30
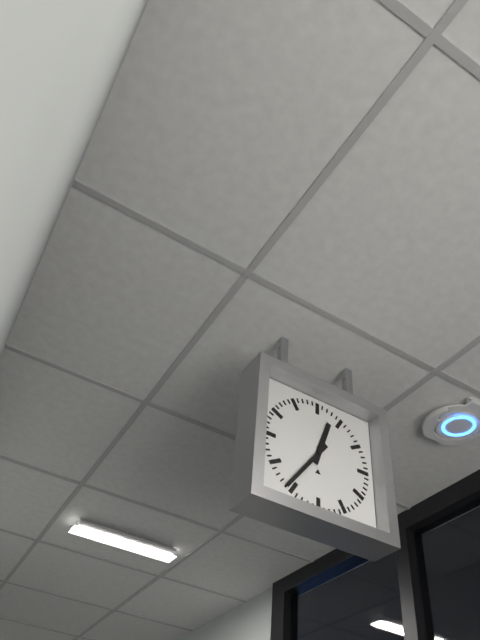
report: 12h36
